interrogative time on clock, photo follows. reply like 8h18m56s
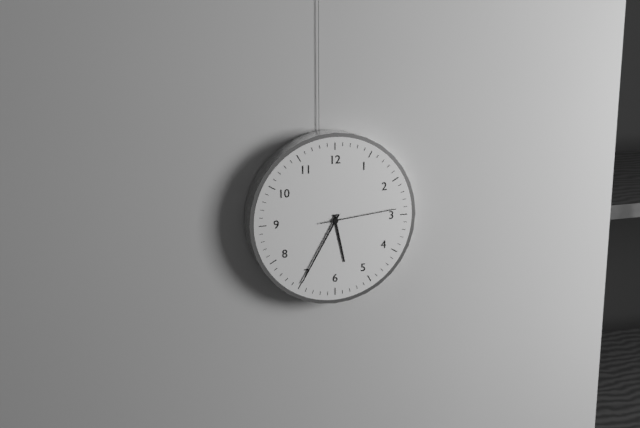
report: 5h35m14s
